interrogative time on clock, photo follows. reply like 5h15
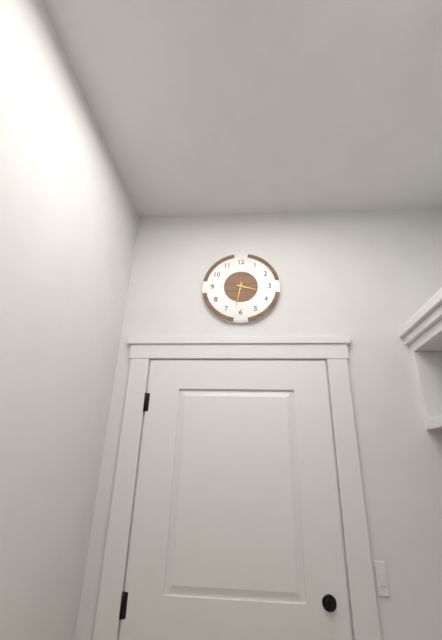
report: 3h32
